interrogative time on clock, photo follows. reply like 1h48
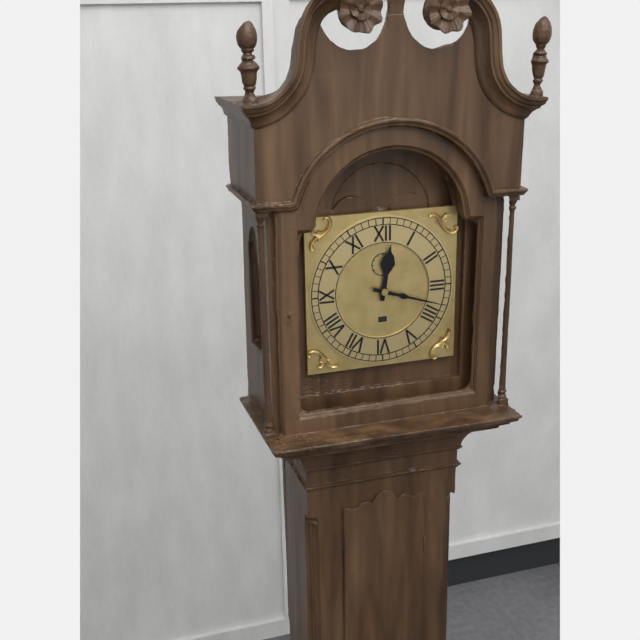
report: 12h18
